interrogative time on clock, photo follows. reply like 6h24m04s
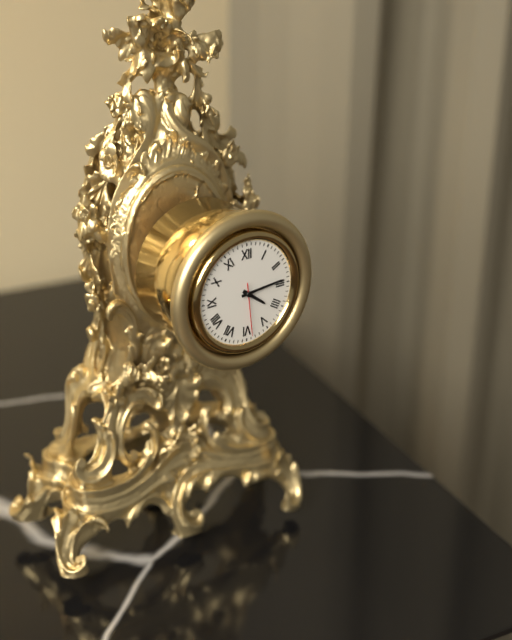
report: 4h14m29s
